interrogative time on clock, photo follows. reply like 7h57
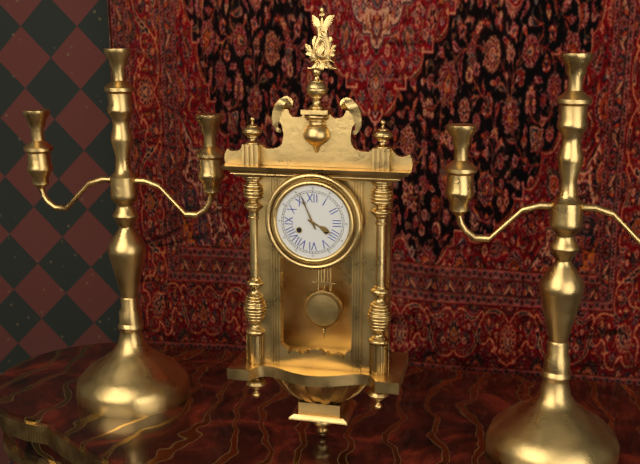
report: 3h56
